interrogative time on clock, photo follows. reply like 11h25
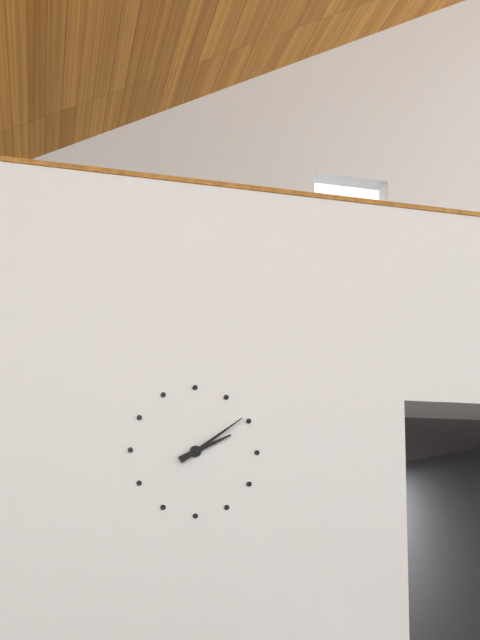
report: 2h09
